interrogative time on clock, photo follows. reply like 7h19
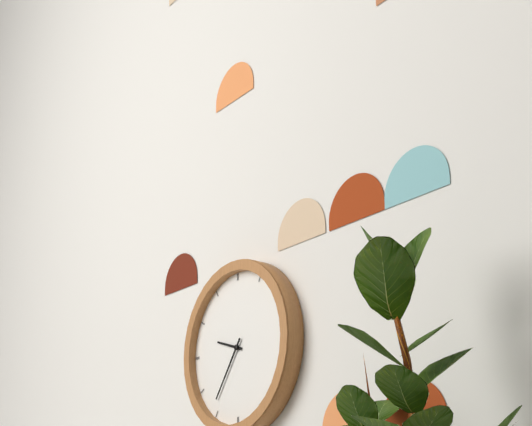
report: 9h36
